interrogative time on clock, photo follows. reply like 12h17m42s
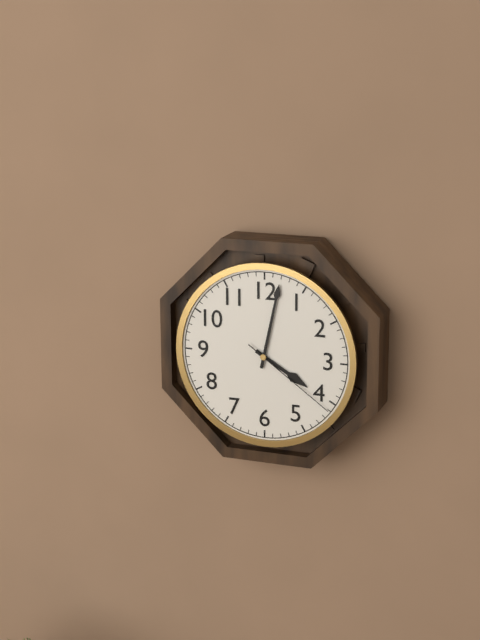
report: 4h02m21s
